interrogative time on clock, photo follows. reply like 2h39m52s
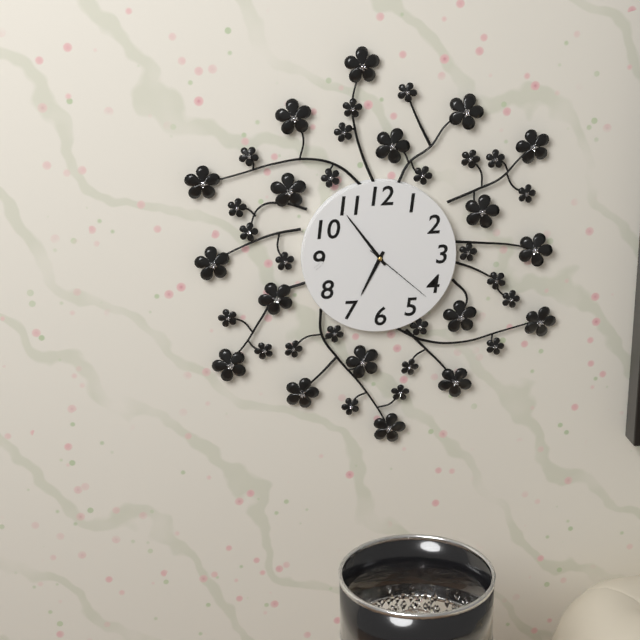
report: 6h54m22s
